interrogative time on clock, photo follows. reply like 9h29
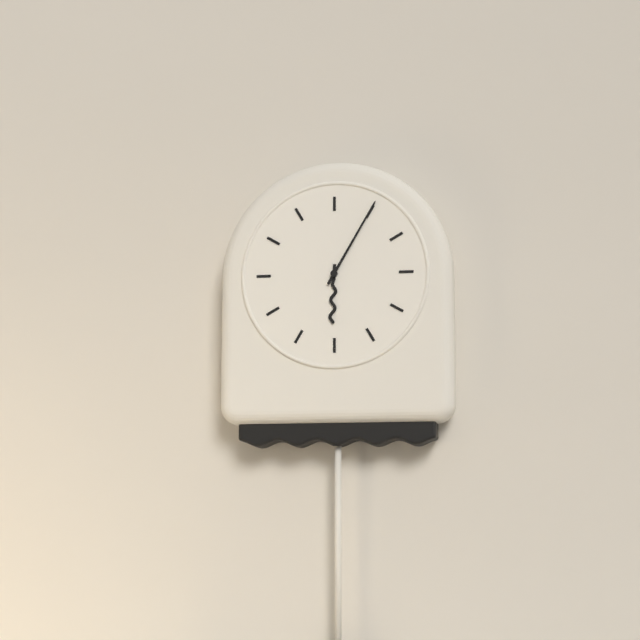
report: 6h05
